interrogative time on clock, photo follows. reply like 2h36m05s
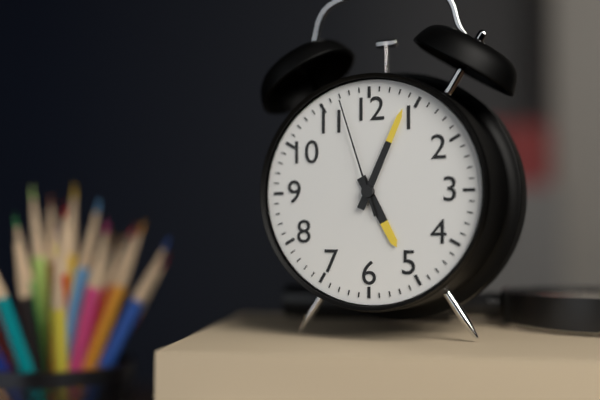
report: 5h04m57s
